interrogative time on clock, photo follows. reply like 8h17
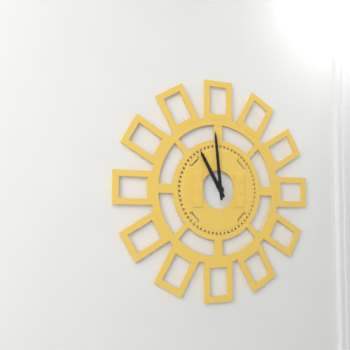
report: 10h59
